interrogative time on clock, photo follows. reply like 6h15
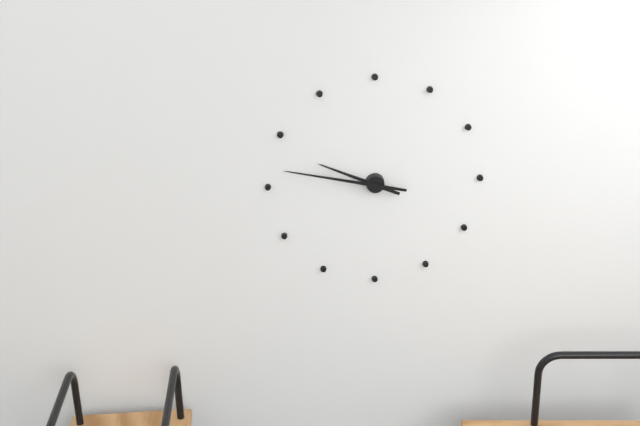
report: 9h47
